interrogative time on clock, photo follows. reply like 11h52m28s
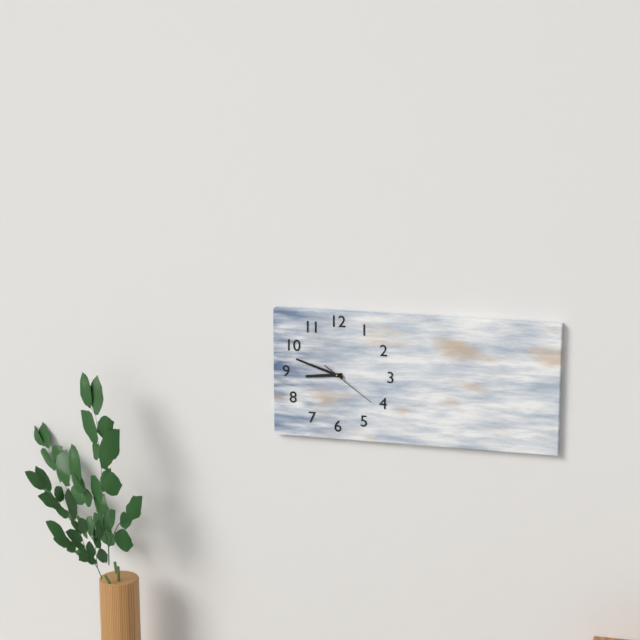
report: 8h48m21s
